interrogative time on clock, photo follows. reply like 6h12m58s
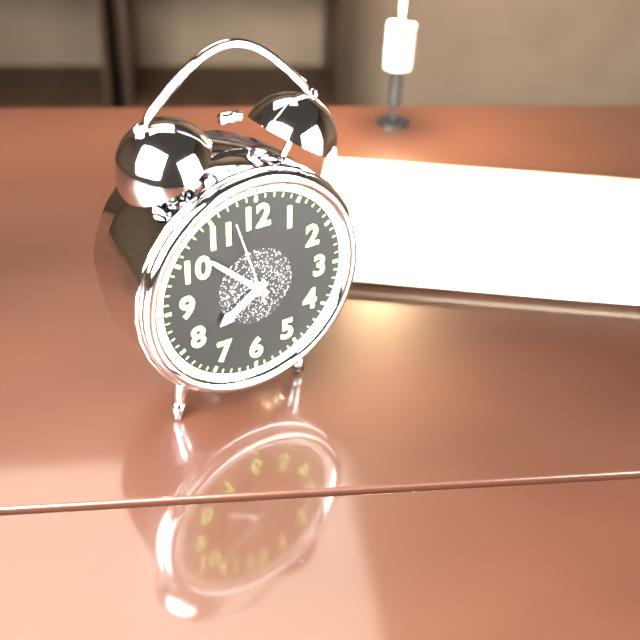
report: 7h52m57s
